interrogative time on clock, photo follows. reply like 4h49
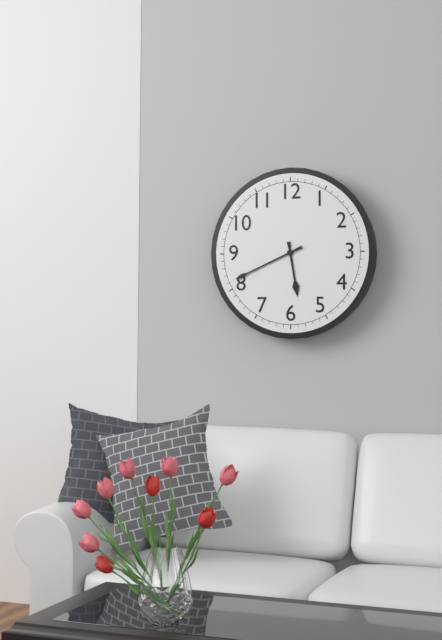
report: 5h41
